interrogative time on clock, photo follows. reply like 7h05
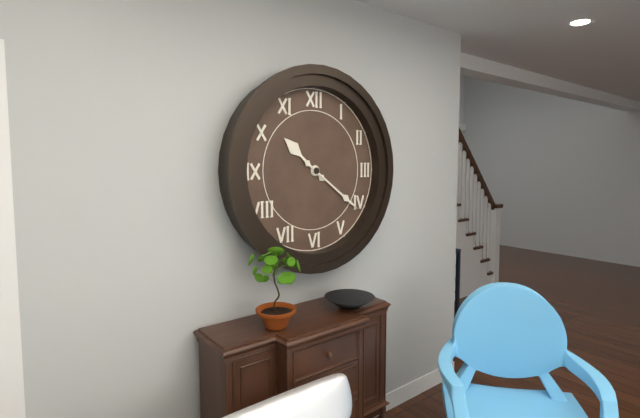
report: 10h21
